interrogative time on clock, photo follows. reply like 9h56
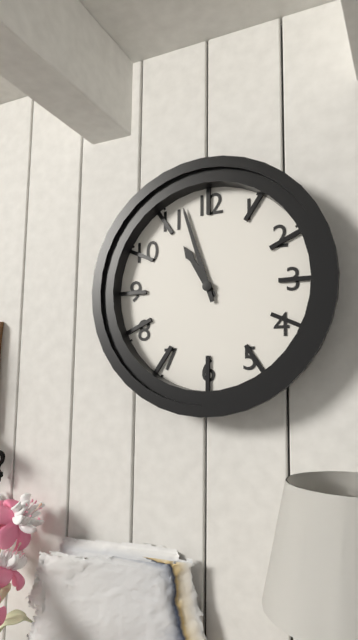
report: 10h57
